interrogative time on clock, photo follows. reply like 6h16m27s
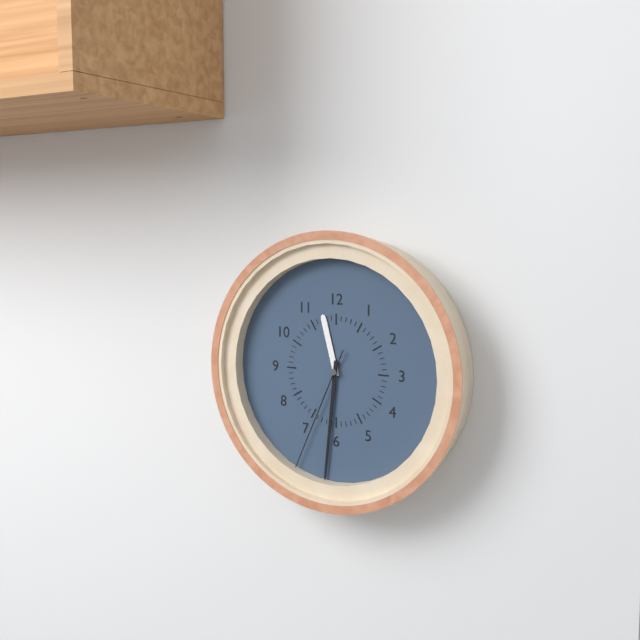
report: 11h31m34s
